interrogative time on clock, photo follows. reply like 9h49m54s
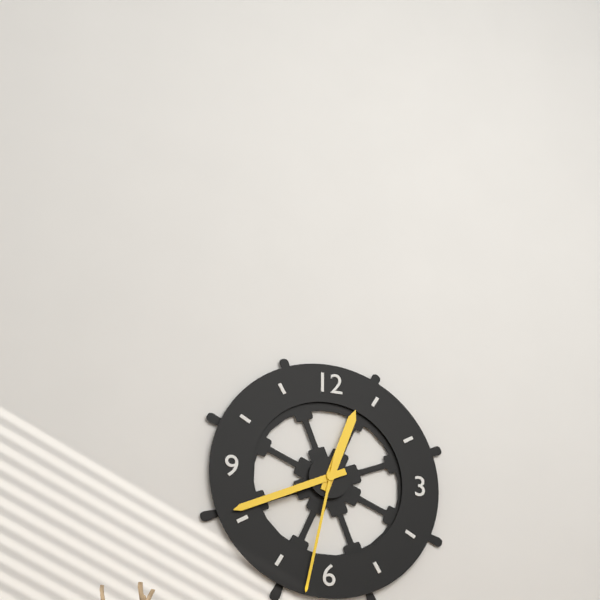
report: 12h41m32s
